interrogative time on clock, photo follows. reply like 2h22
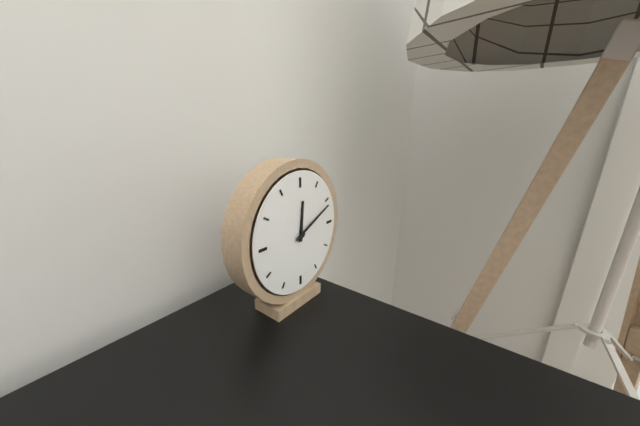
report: 12h11
